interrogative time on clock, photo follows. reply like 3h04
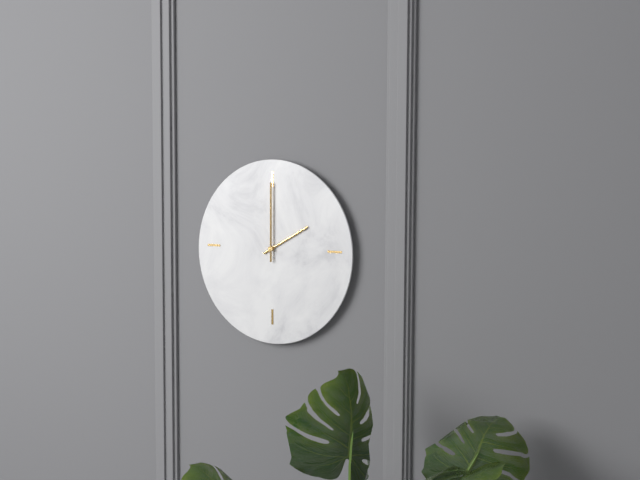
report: 2h00
